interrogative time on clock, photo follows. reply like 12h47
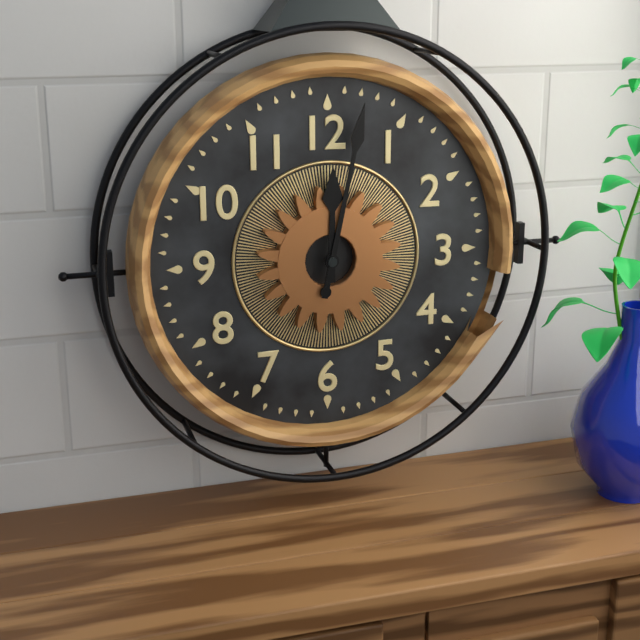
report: 12h02
